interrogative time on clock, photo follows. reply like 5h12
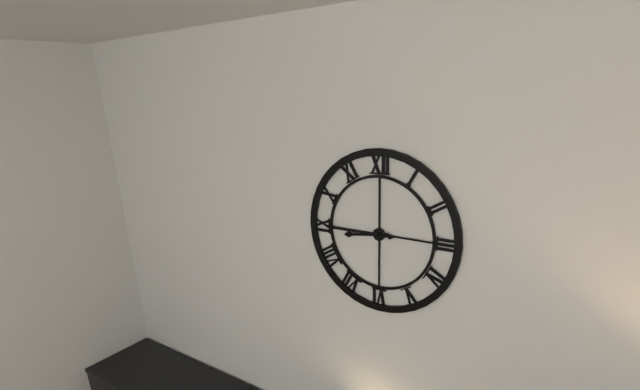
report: 8h45
